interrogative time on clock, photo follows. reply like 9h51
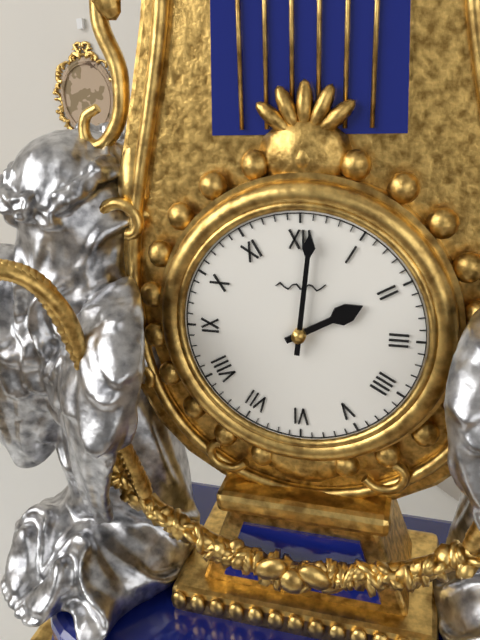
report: 2h01
